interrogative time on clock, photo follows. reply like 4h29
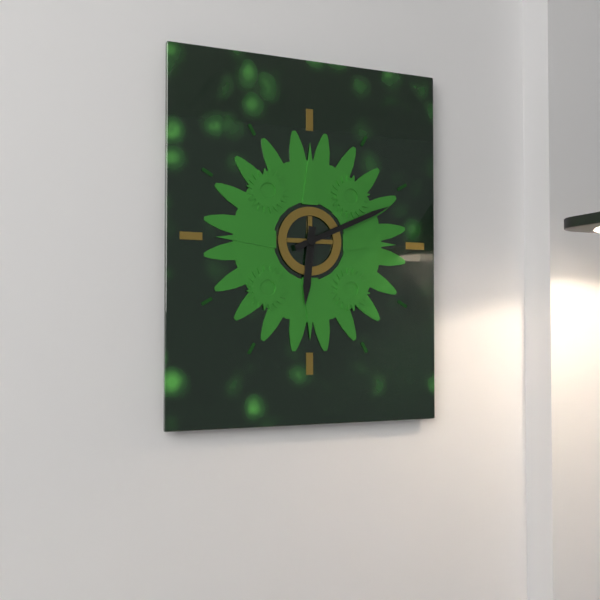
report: 6h11
